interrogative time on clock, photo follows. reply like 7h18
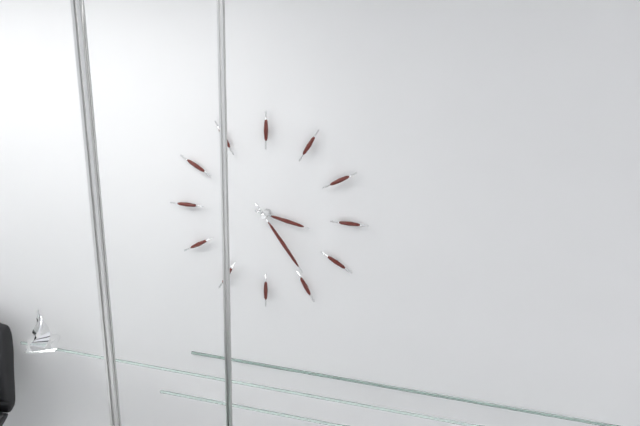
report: 3h24
